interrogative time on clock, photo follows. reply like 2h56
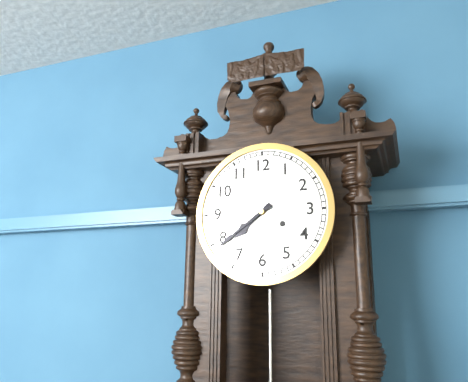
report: 7h39
